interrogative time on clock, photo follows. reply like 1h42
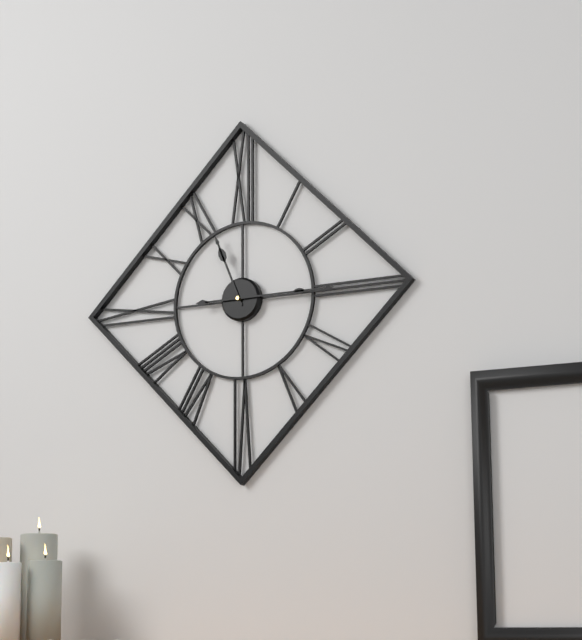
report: 11h15
